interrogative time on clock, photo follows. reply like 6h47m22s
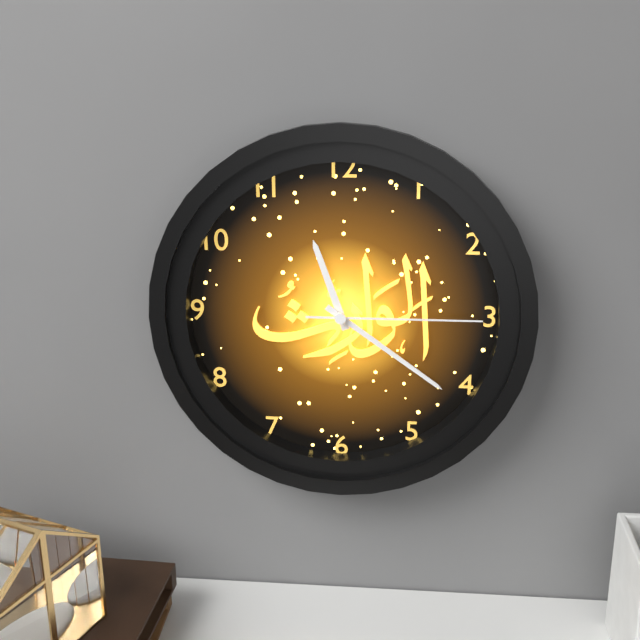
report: 11h21m15s
